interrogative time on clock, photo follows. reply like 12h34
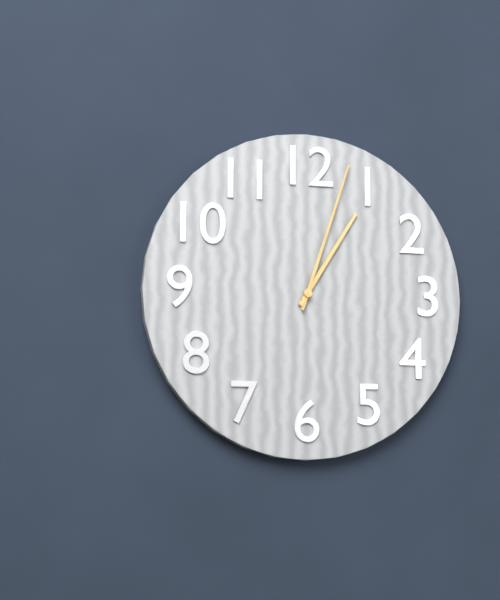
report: 1h03
